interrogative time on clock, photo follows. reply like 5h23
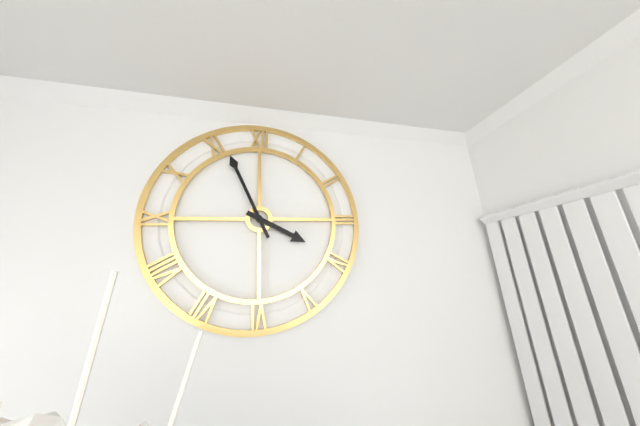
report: 3h56
